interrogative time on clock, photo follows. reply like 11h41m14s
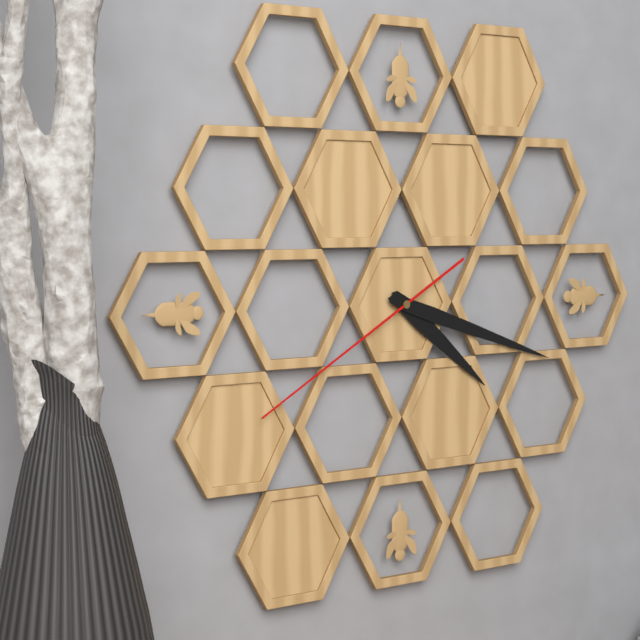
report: 4h18m40s
